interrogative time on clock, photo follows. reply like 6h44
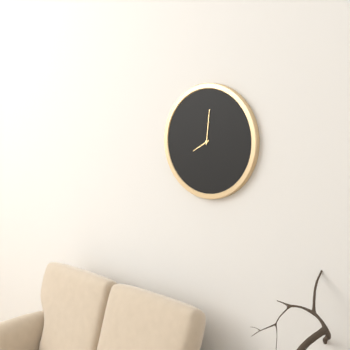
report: 8h01
